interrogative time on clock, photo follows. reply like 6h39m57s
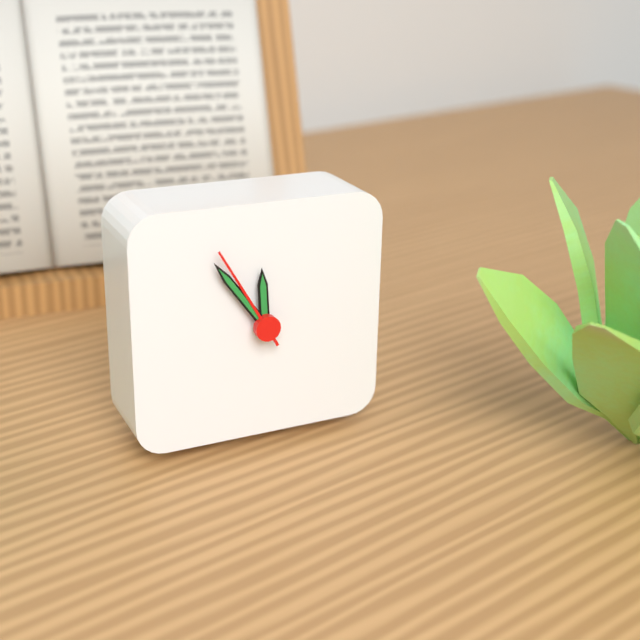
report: 11h54m55s
